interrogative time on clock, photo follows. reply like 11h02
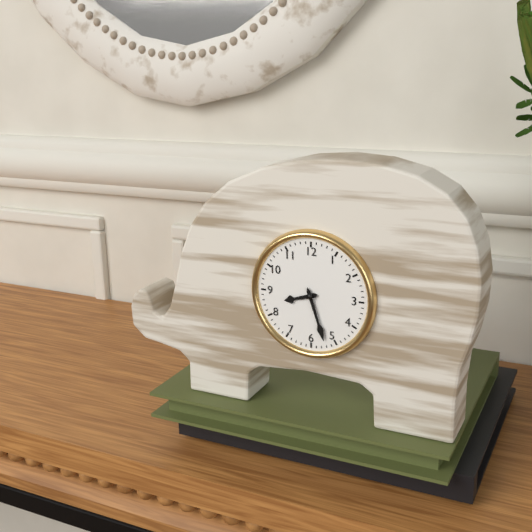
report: 8h27
